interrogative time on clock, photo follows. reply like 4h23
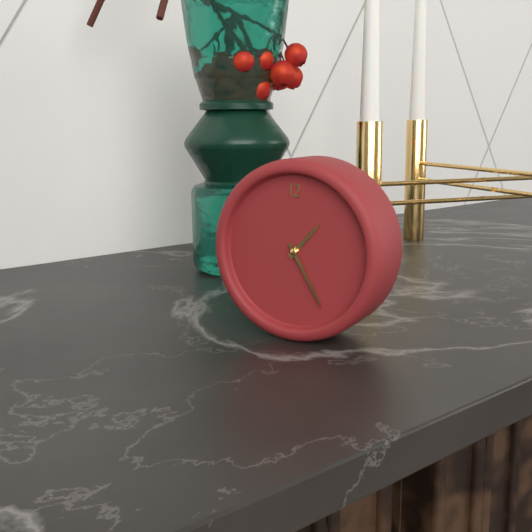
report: 1h25
